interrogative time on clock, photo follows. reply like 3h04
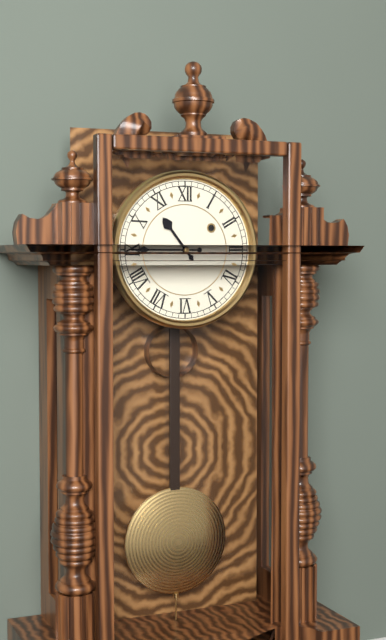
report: 10h45
